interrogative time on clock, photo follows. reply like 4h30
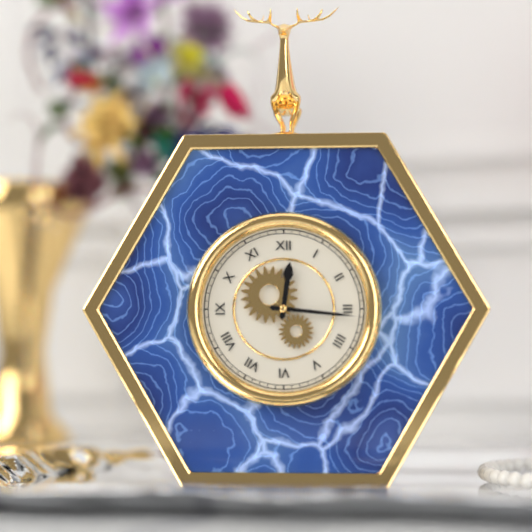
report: 12h16
